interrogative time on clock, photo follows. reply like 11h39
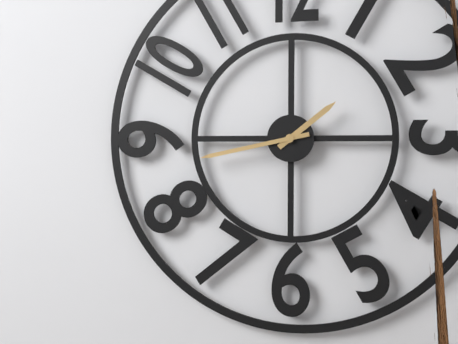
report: 1h43
